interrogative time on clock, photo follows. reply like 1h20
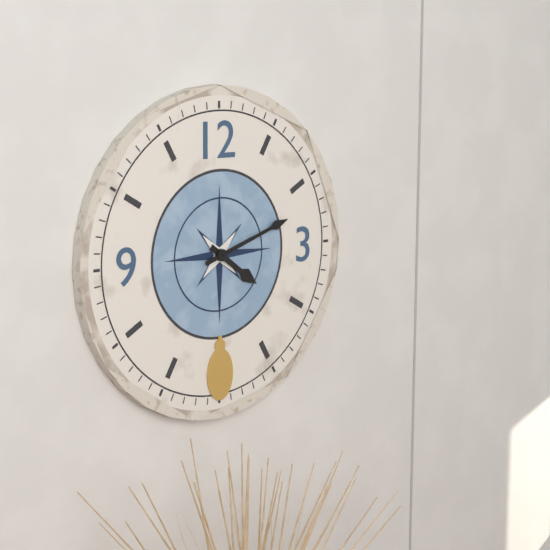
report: 4h12
